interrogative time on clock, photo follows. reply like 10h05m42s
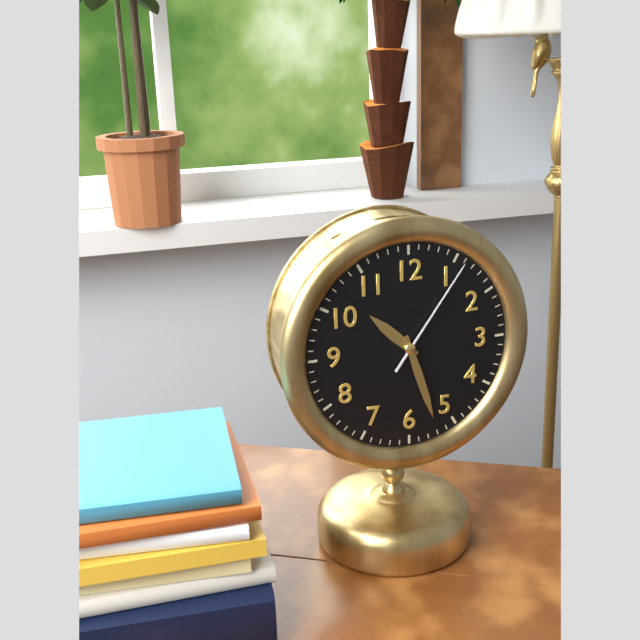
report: 10h27m06s
